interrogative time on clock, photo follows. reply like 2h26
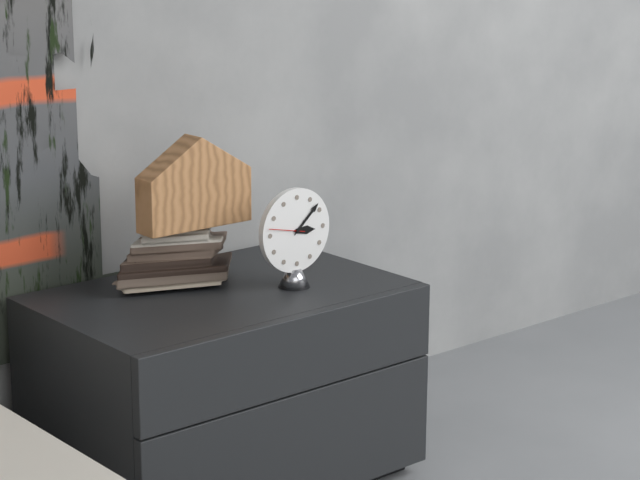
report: 3h08
